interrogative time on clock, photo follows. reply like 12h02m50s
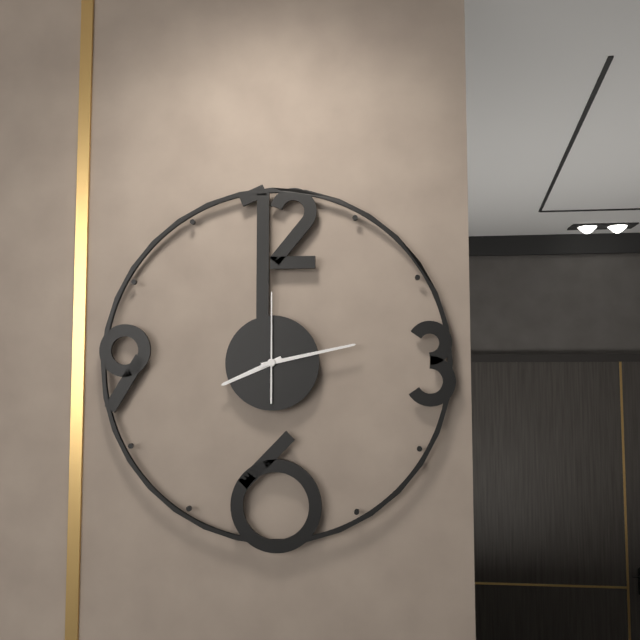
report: 8h13m00s
